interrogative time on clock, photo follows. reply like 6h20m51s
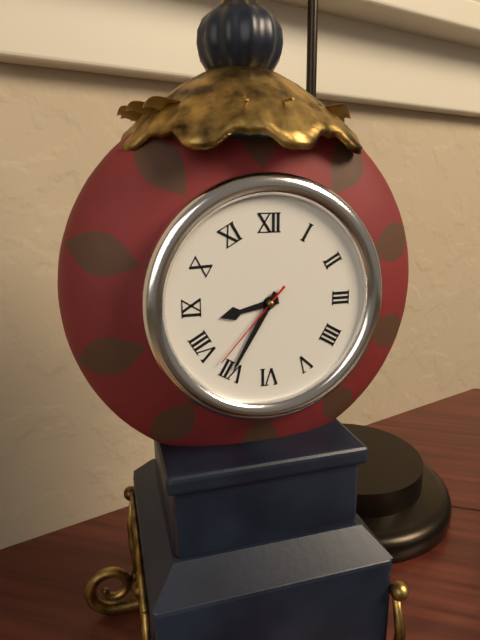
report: 8h35m37s
